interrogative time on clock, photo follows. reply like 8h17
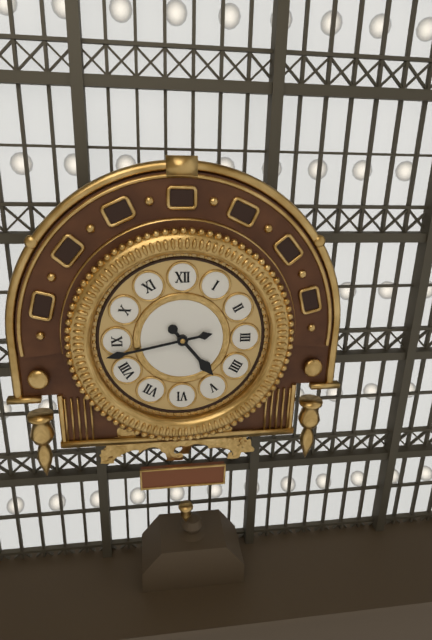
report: 4h43
